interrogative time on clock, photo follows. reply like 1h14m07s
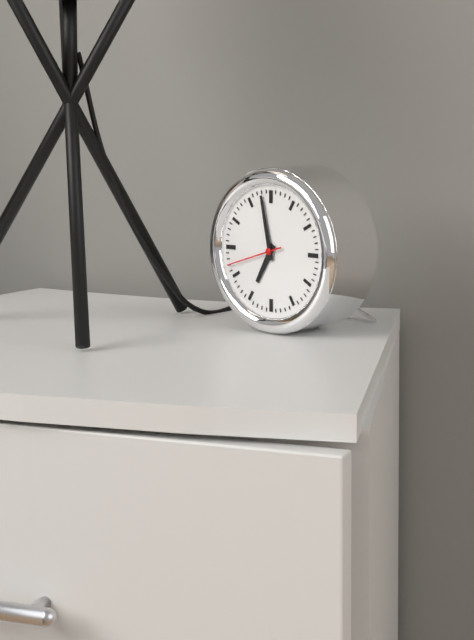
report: 6h58m42s
